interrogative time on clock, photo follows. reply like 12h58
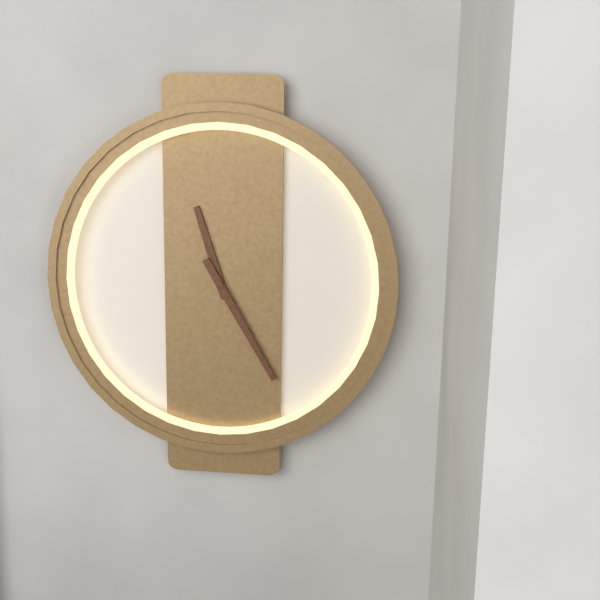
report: 11h25
